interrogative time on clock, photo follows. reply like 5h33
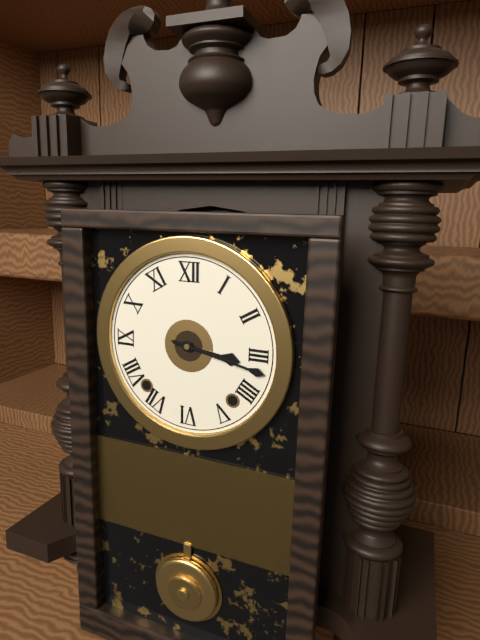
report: 3h17
